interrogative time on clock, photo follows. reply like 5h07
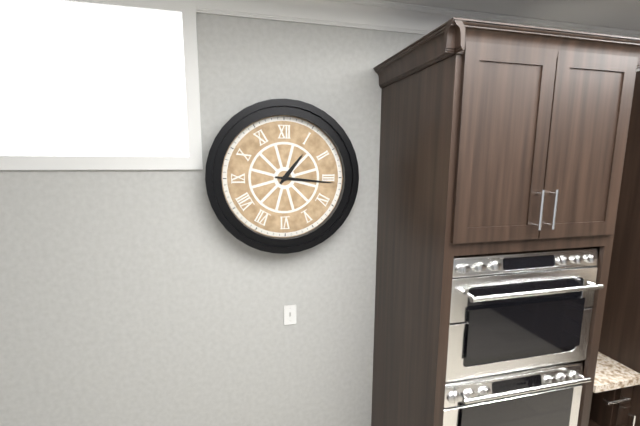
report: 1h16
